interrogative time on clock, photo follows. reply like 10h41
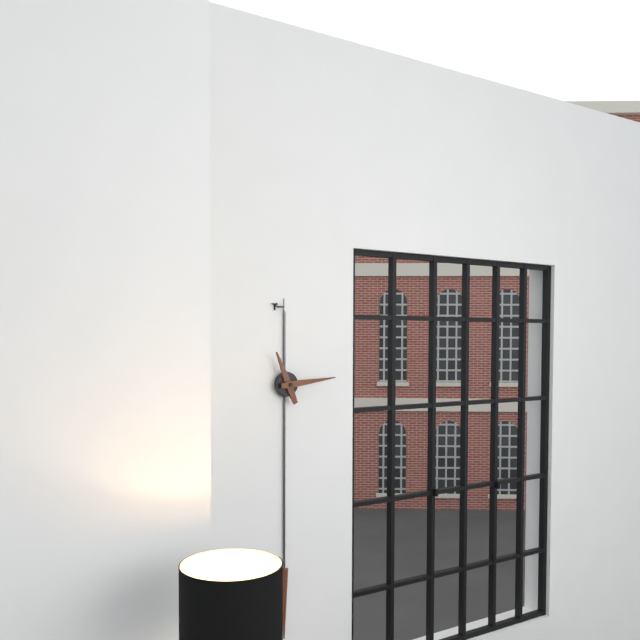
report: 11h14
